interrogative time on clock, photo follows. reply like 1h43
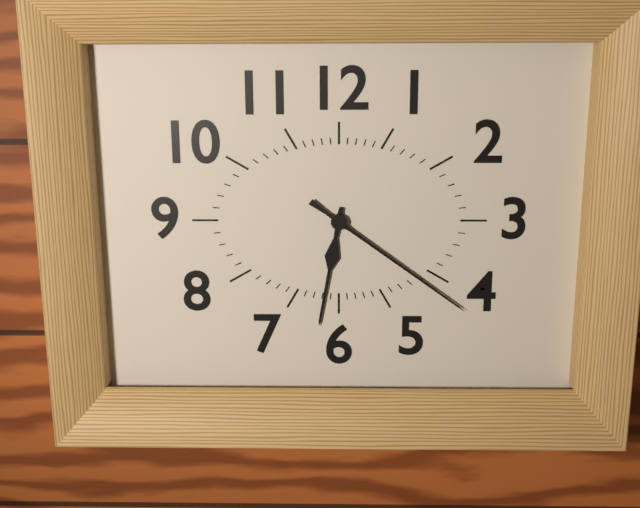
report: 6h21
